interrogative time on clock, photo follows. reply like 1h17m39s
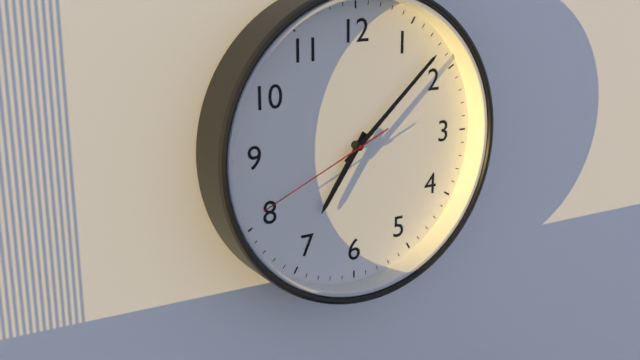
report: 7h08m41s
